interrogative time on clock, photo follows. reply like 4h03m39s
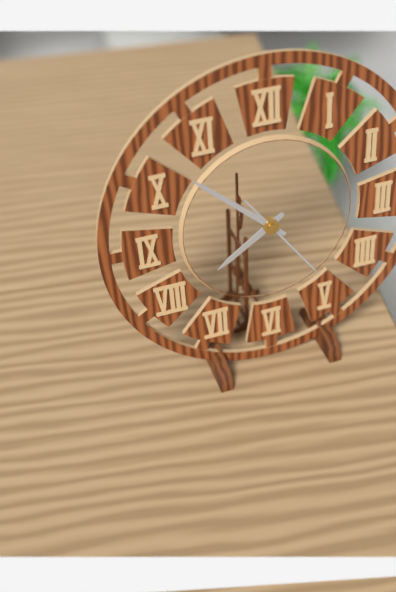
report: 7h52m24s
